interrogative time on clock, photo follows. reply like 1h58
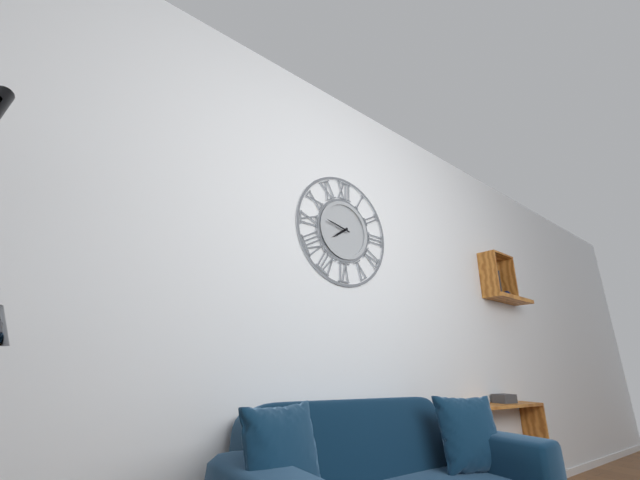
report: 7h47
